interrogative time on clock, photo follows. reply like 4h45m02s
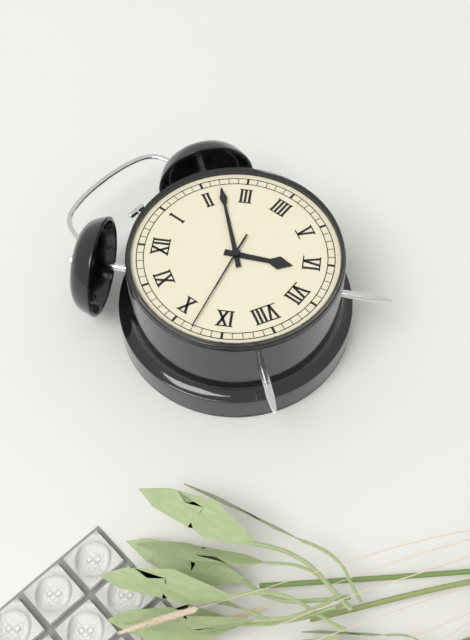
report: 6h12m48s
